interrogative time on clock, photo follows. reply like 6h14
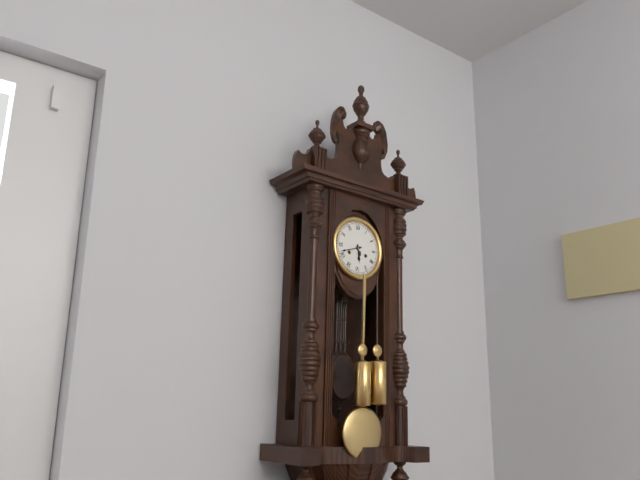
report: 5h42
